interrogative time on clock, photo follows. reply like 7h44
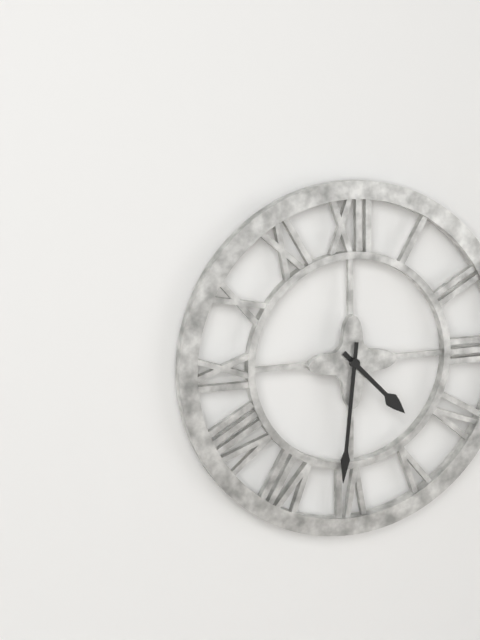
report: 4h31
